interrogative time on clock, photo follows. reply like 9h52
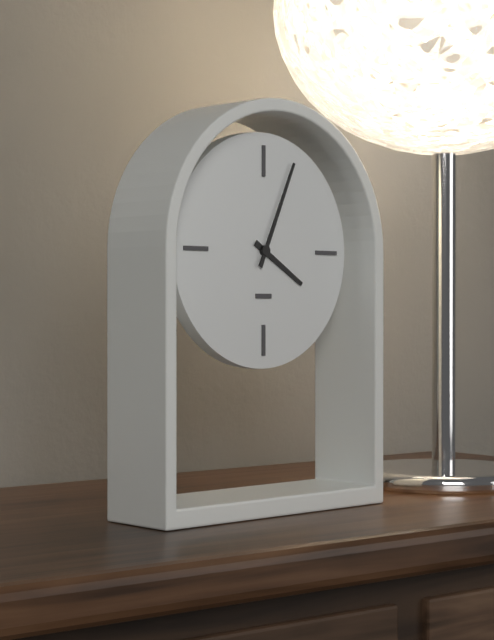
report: 4h04
